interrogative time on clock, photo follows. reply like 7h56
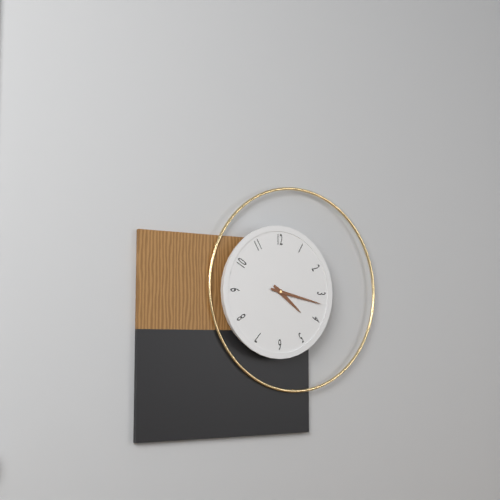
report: 4h17
